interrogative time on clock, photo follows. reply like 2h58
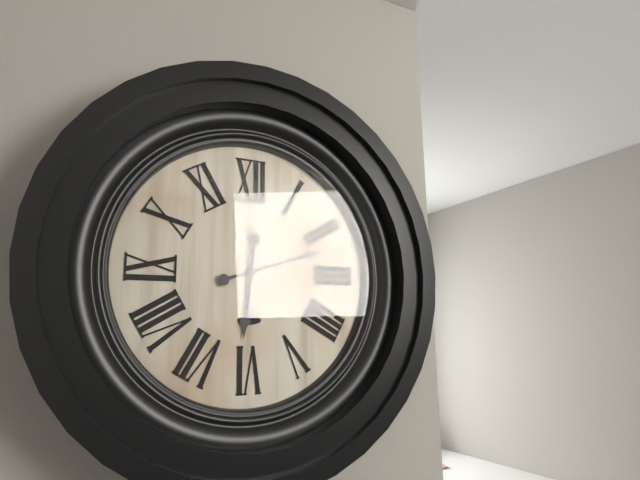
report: 6h12
